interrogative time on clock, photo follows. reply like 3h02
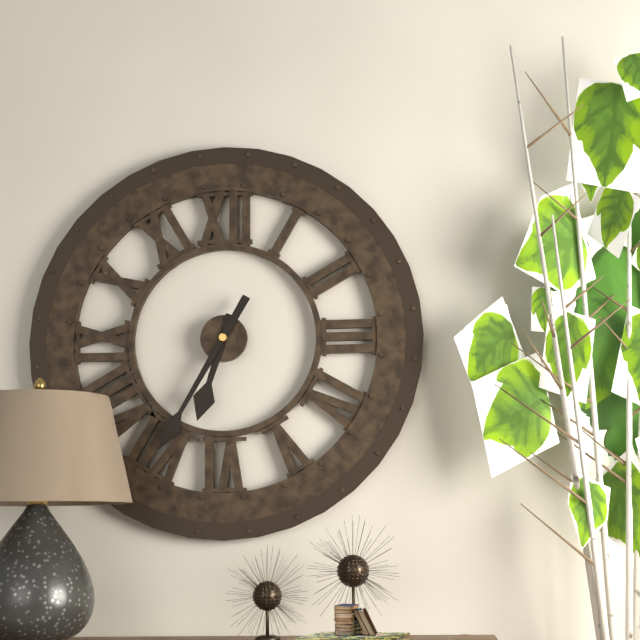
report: 6h35
